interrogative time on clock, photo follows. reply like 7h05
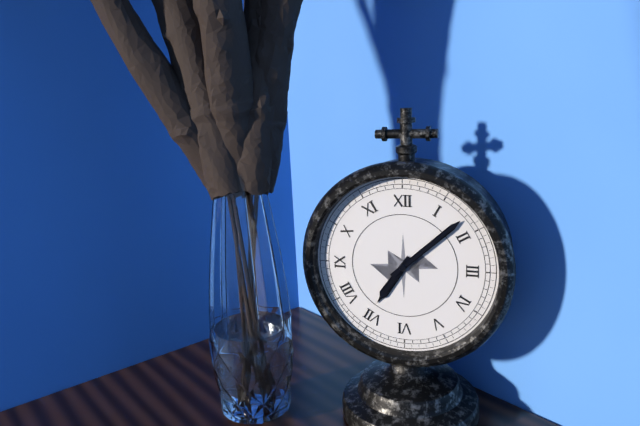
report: 7h08
